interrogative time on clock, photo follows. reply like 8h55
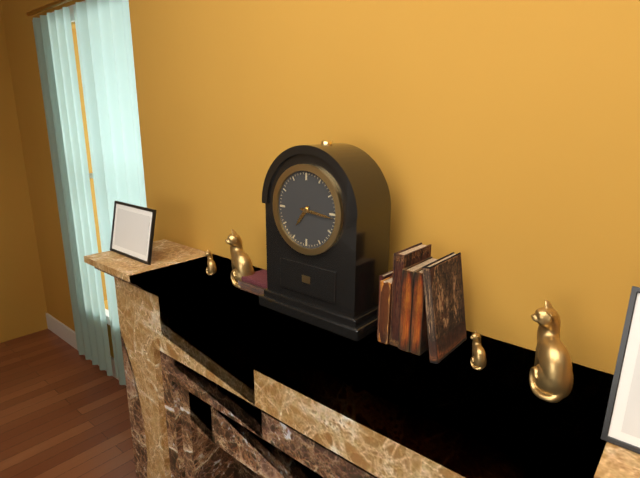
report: 7h16
